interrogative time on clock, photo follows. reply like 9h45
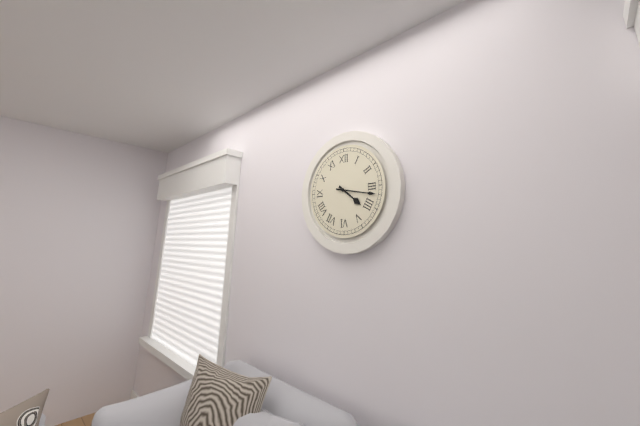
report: 4h17
